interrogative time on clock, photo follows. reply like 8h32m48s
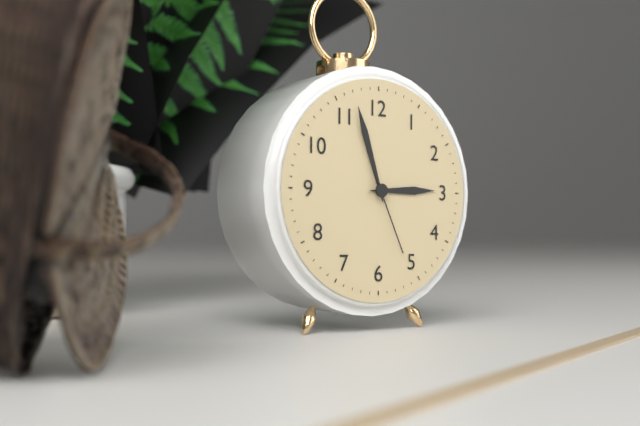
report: 2h57m26s
